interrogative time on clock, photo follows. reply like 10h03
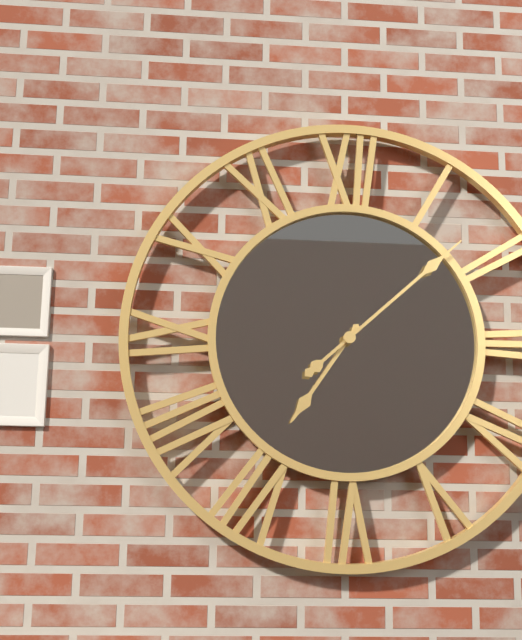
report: 7h08
